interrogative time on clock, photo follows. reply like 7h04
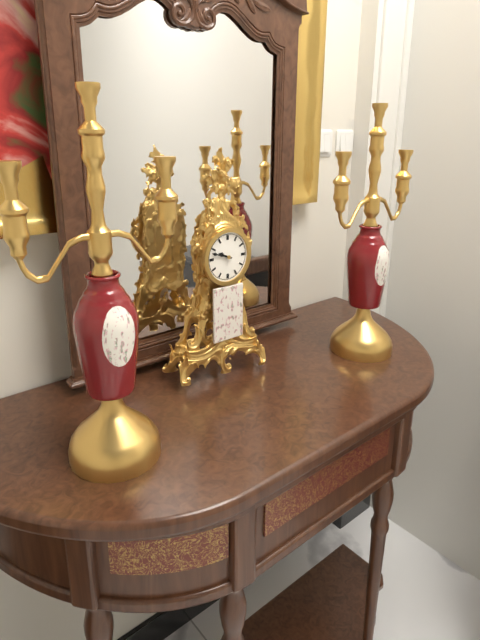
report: 9h48
